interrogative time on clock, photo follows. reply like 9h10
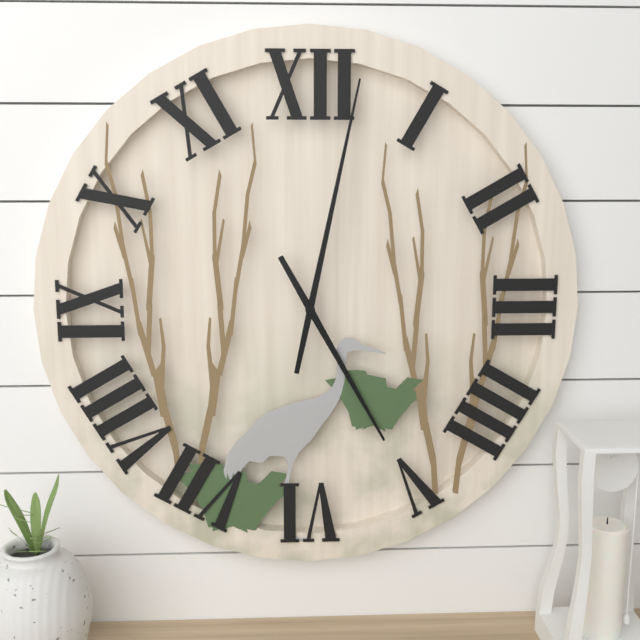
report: 5h02
